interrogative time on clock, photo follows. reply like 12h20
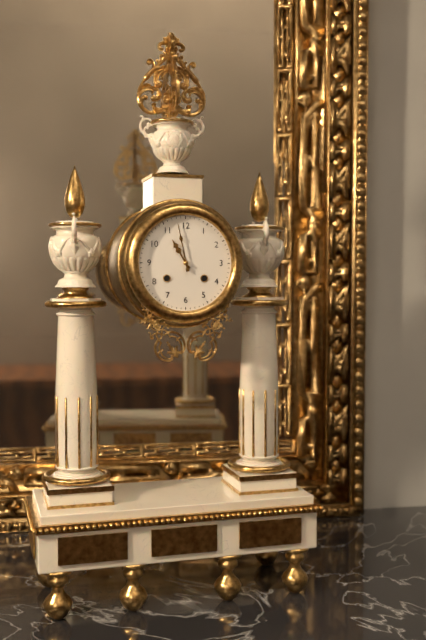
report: 10h58
